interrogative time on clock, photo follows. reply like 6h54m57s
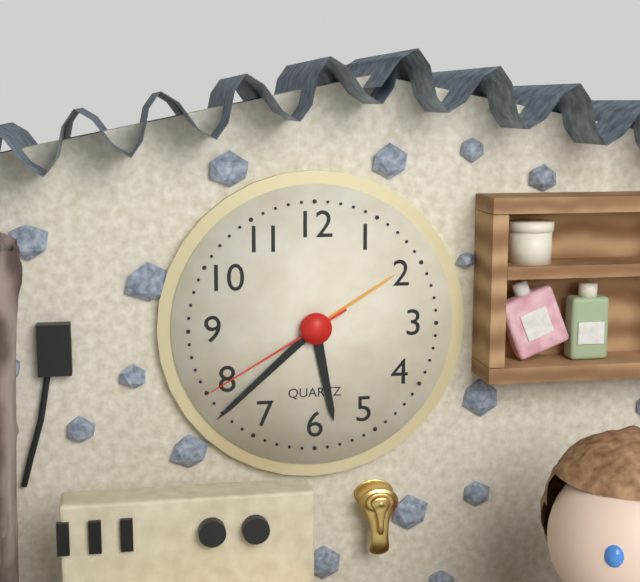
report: 5h38m40s
